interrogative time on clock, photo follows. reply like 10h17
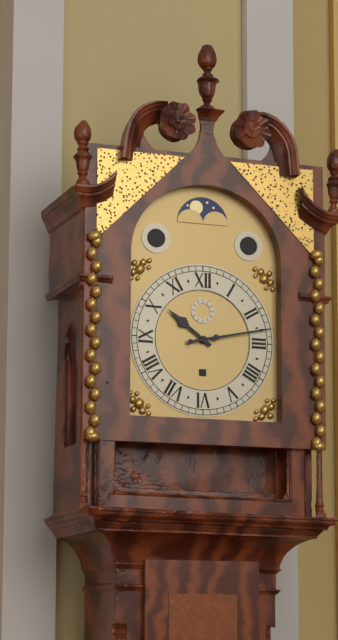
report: 10h13
